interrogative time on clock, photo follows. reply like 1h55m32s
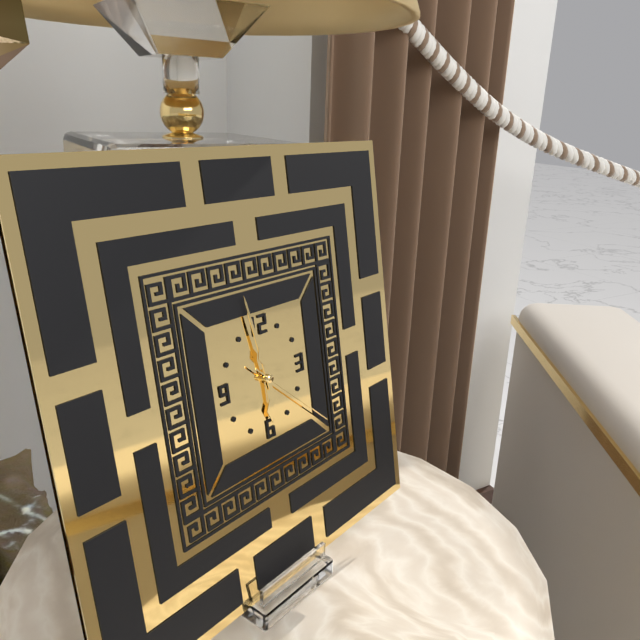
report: 5h58m22s
